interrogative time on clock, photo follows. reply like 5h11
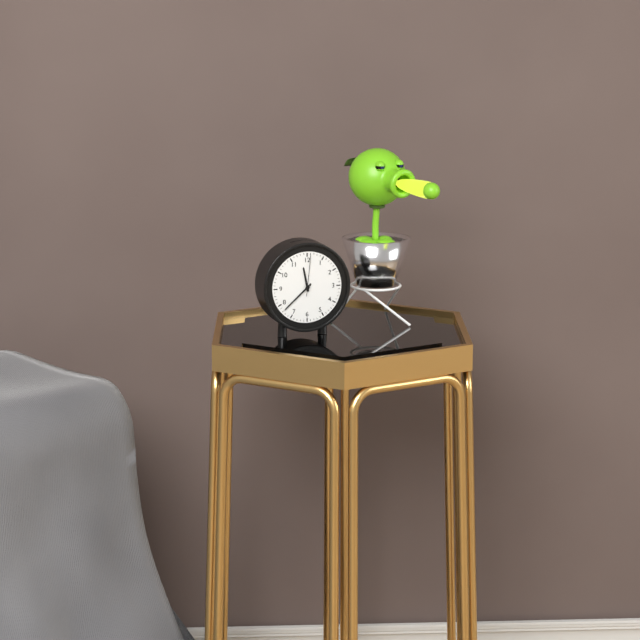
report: 11h38
